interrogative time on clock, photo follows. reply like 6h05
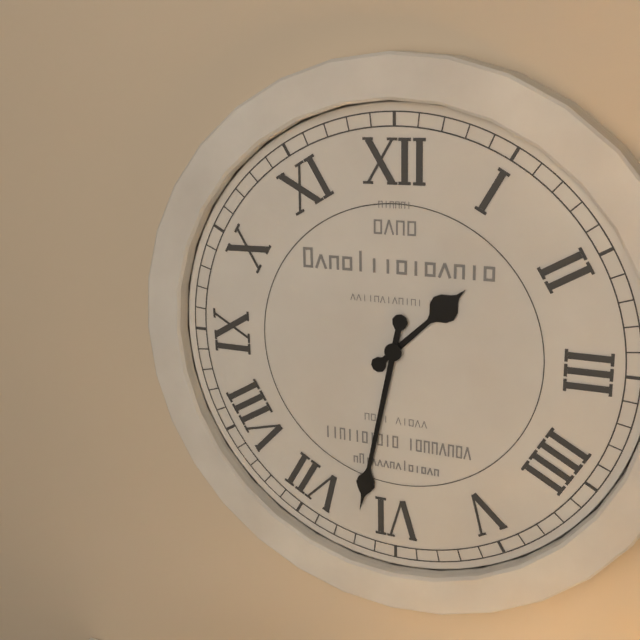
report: 1h32
